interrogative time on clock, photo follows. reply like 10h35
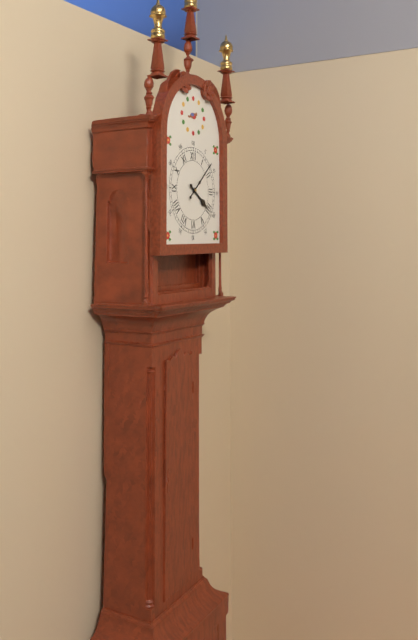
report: 4h08
